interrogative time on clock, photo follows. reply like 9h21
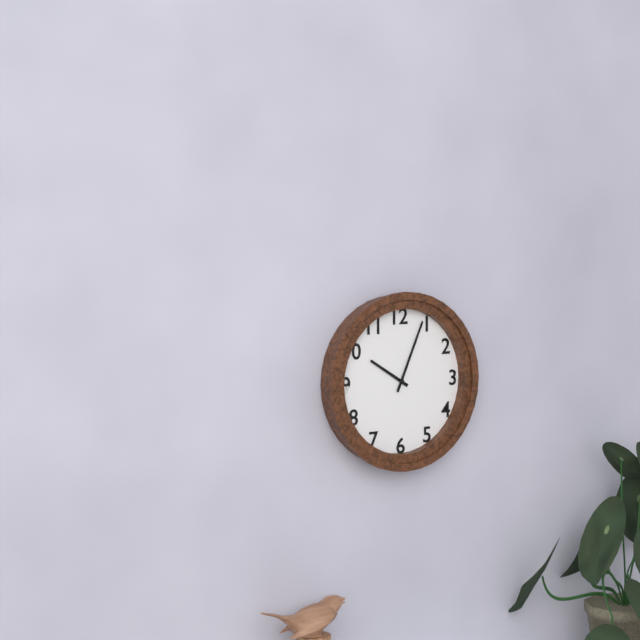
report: 10h04
